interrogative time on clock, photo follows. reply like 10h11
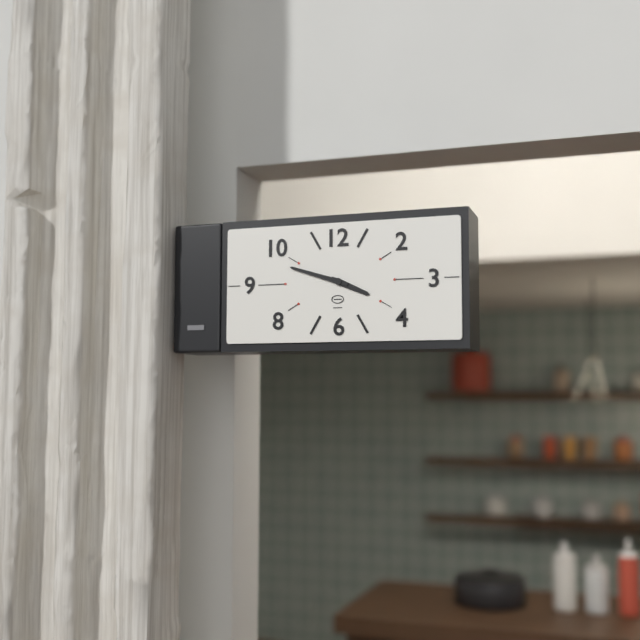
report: 3h48
